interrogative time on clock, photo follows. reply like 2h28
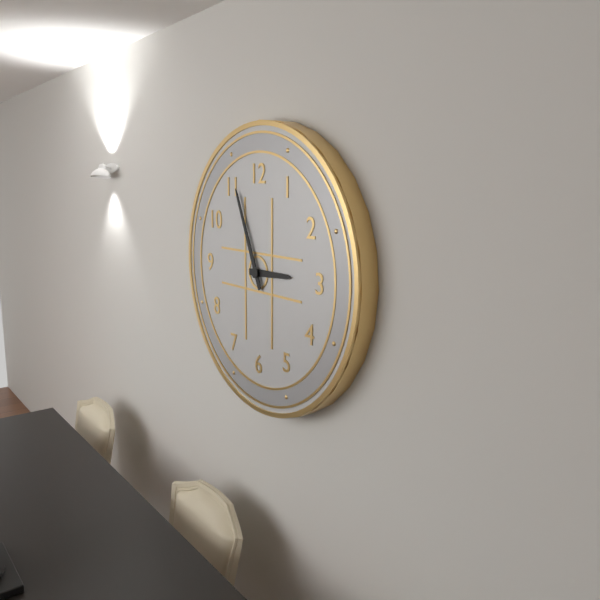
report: 2h56
